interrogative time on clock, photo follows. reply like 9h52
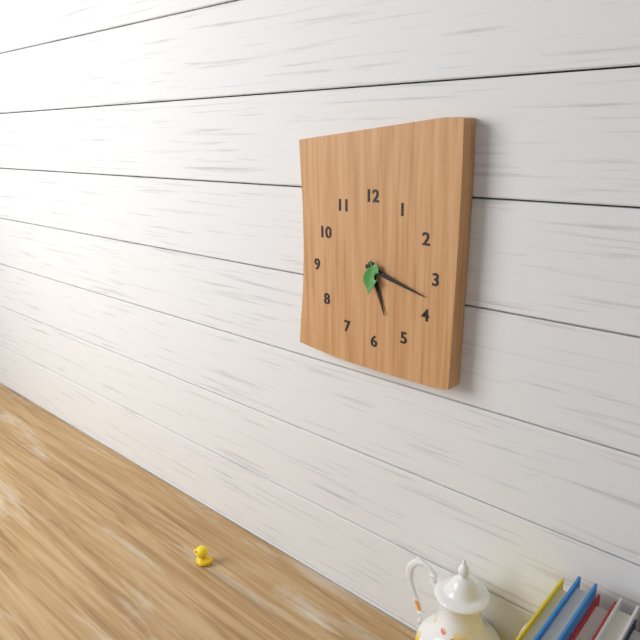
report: 5h18
